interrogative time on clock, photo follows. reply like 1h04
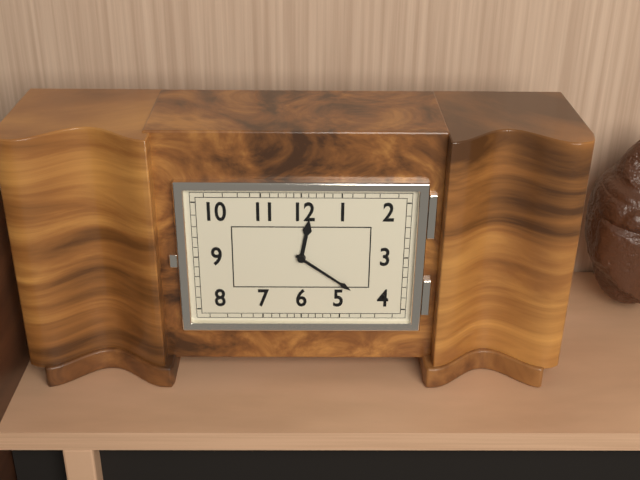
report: 12h21
